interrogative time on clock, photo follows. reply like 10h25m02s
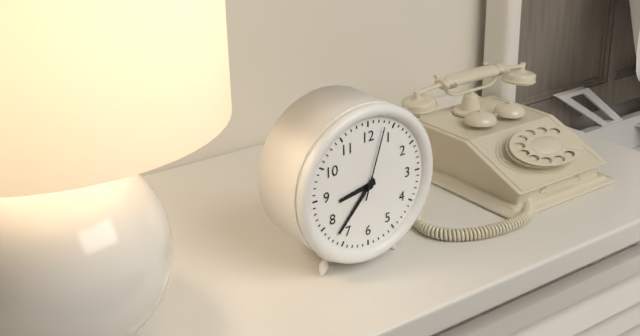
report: 8h37m03s
